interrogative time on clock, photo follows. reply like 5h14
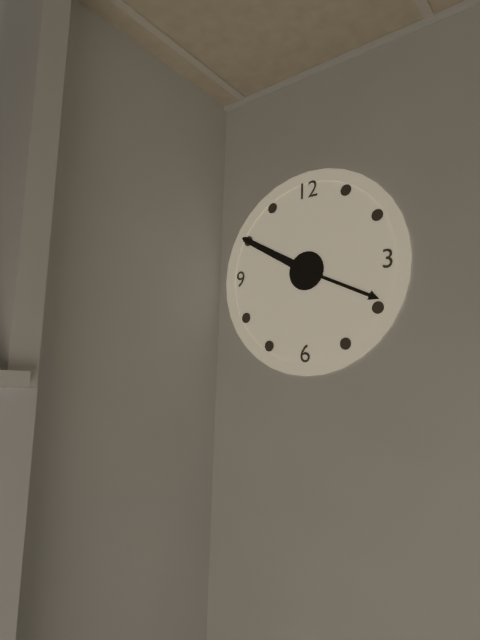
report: 3h50
